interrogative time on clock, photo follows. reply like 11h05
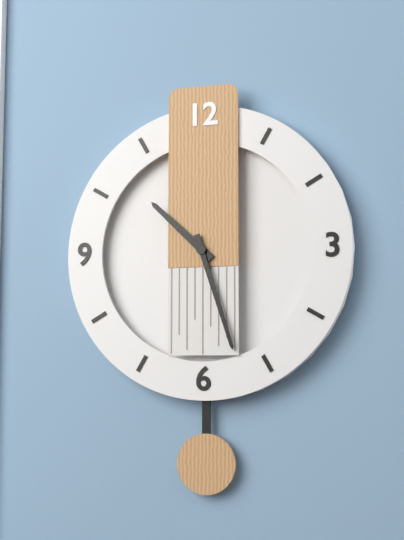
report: 10h27
